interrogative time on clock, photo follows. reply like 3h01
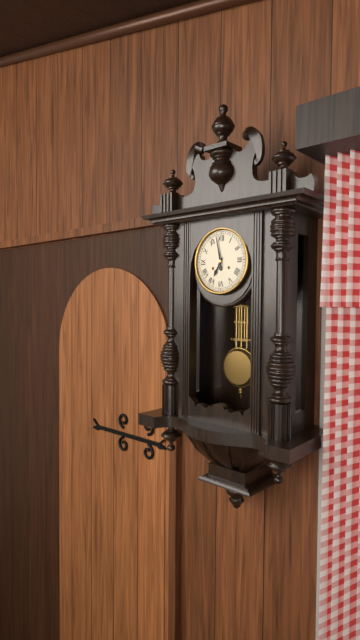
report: 6h58
